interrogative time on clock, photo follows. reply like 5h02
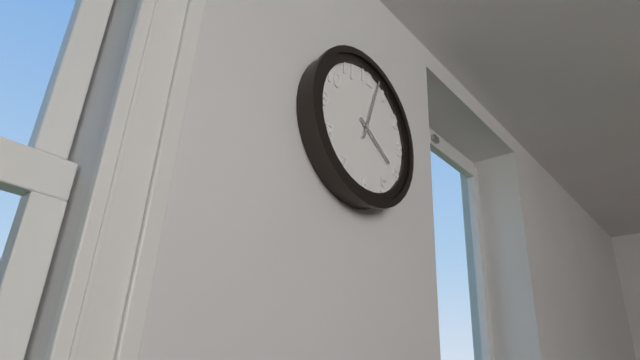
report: 4h03
